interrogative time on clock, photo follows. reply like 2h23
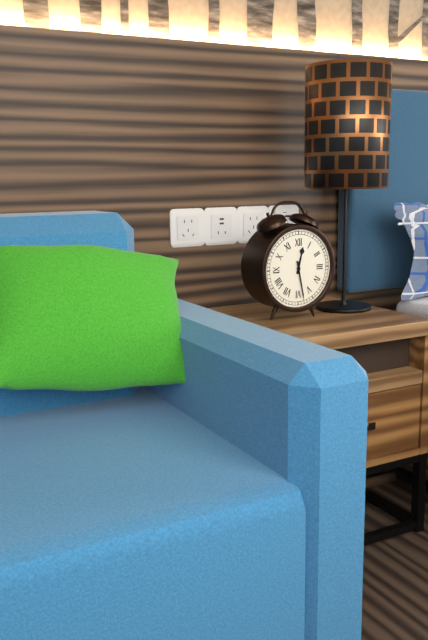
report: 12h28
